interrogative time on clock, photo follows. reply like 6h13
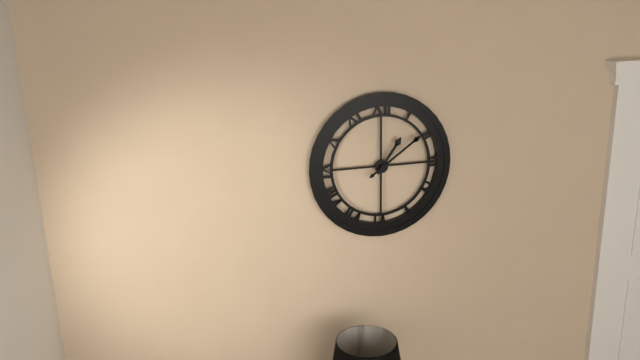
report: 1h09
